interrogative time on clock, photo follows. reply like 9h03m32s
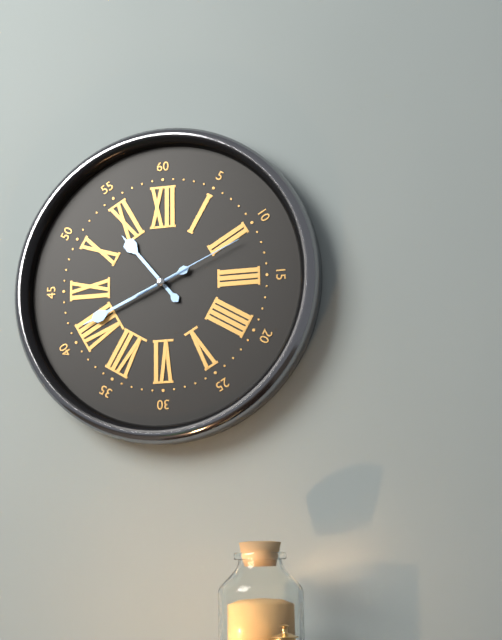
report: 10h41m11s
